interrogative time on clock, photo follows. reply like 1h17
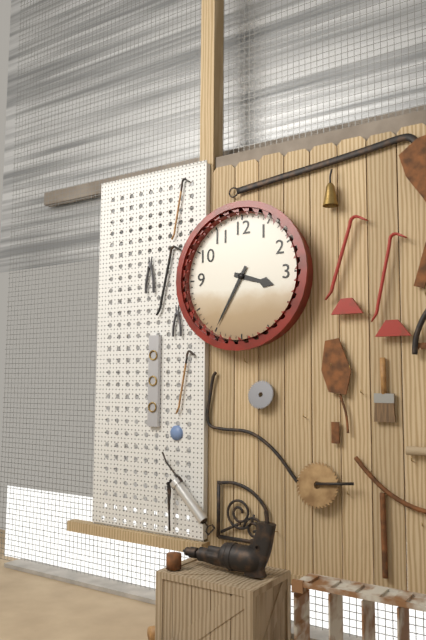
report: 3h35
